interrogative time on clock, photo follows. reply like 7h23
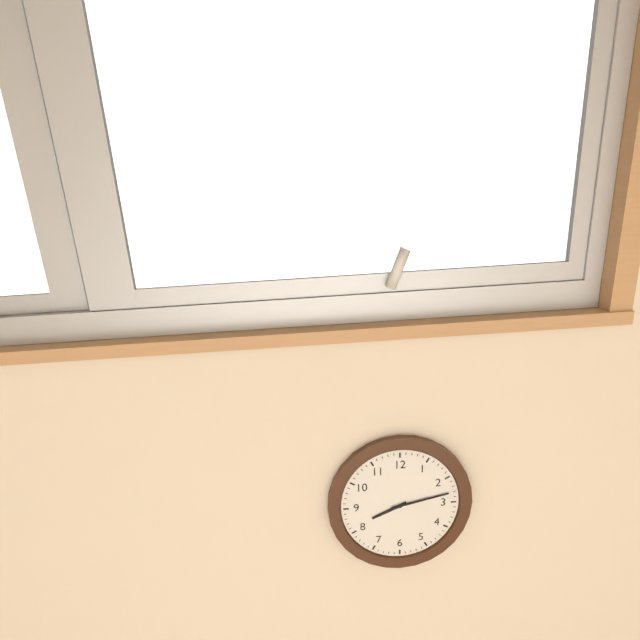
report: 8h13
